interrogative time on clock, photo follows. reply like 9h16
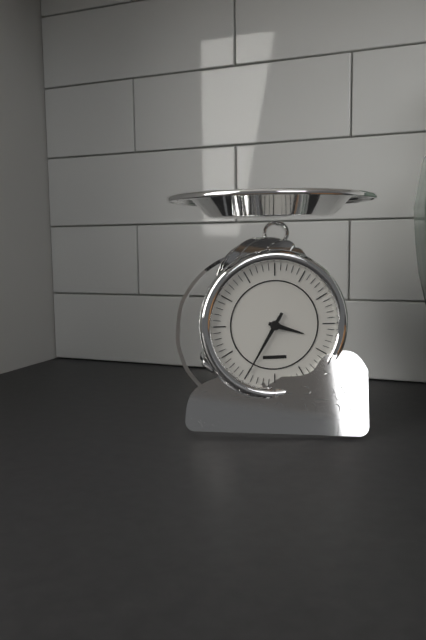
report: 3h35
